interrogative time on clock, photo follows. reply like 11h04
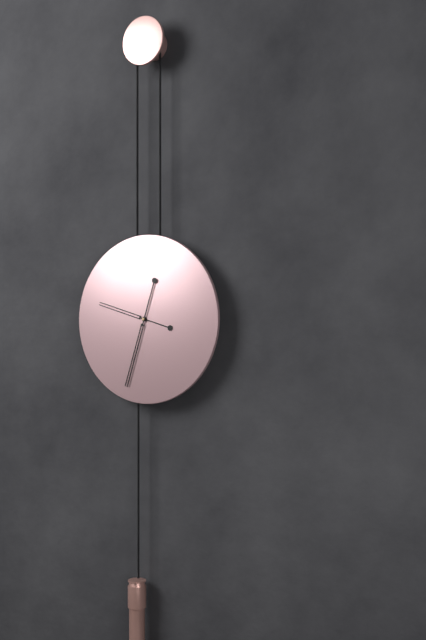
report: 9h33
